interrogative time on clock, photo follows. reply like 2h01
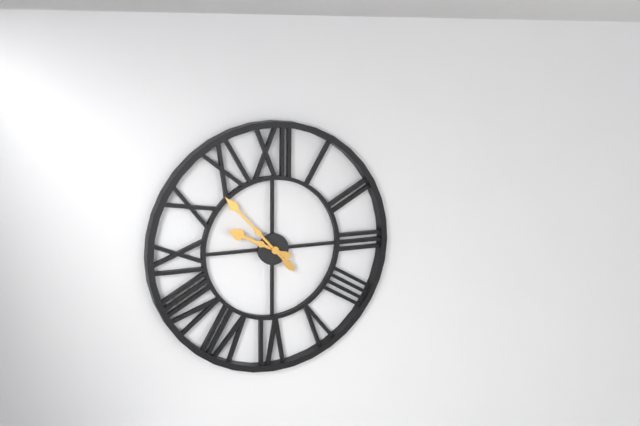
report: 9h53
